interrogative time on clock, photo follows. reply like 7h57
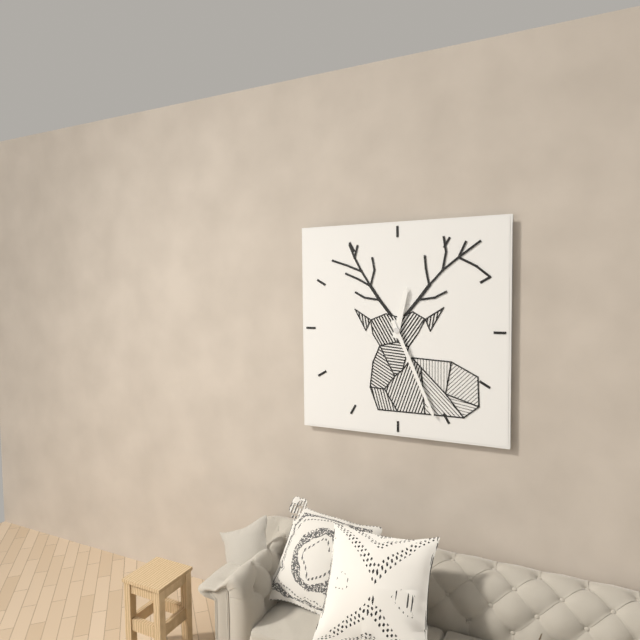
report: 12h26
